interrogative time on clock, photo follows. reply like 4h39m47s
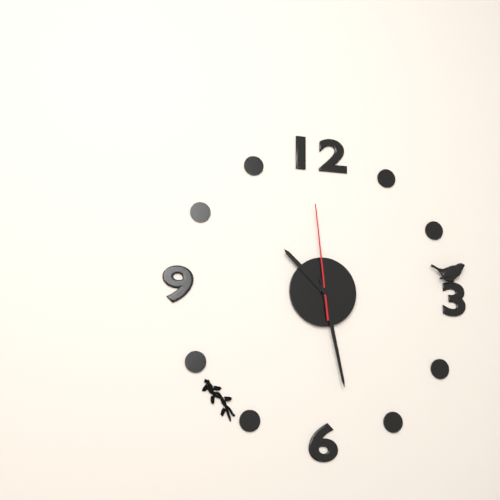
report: 10h28m59s
